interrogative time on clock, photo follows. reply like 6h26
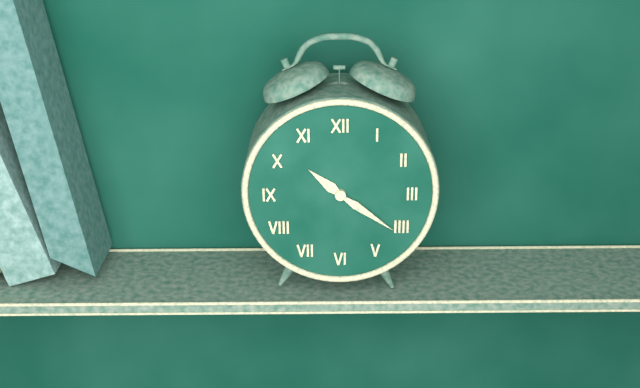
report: 10h21
